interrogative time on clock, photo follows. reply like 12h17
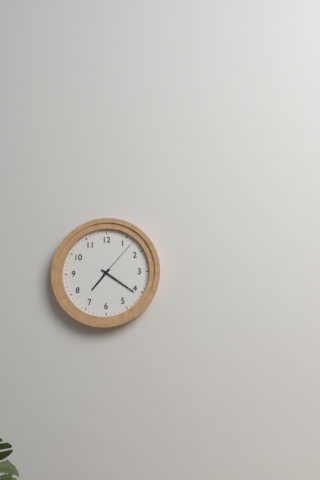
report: 7h21
